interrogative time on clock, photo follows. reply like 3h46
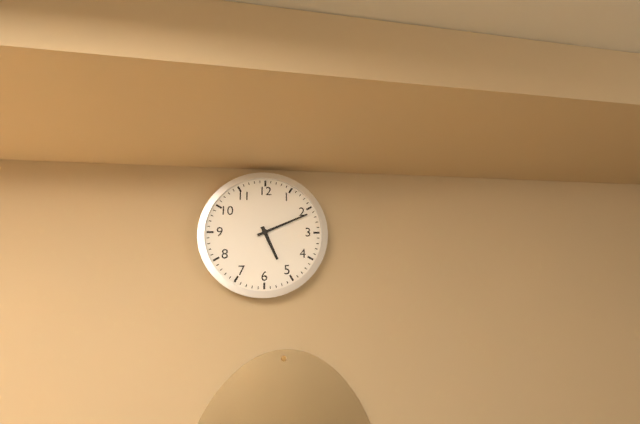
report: 5h11
